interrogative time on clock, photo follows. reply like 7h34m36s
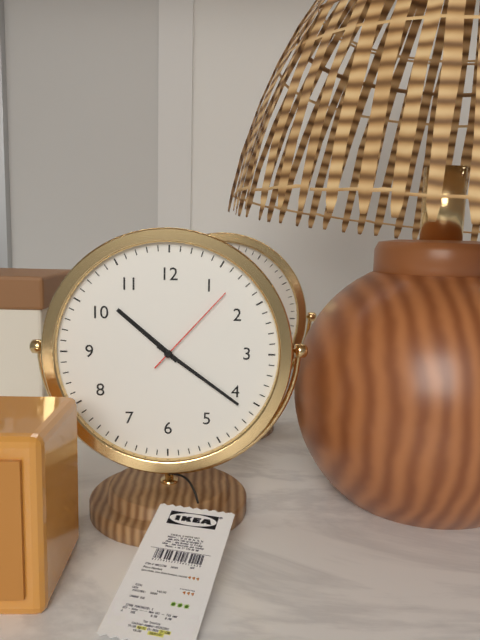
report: 10h21m07s
